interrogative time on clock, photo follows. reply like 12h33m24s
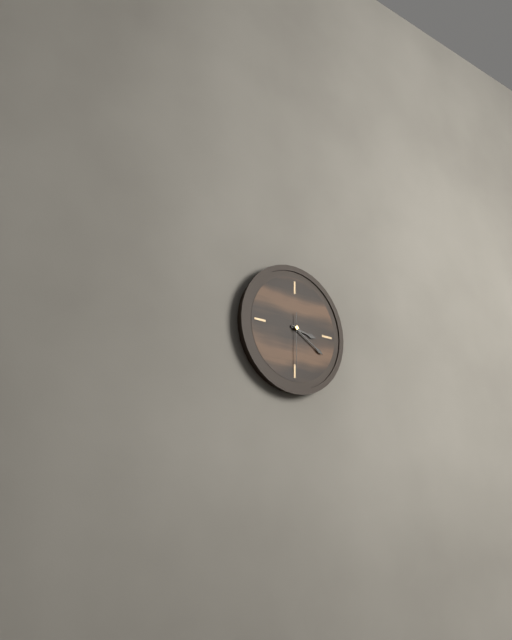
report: 3h20m30s
